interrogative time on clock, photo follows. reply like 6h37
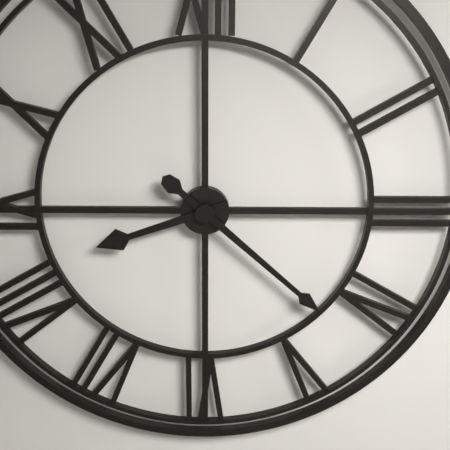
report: 8h22
